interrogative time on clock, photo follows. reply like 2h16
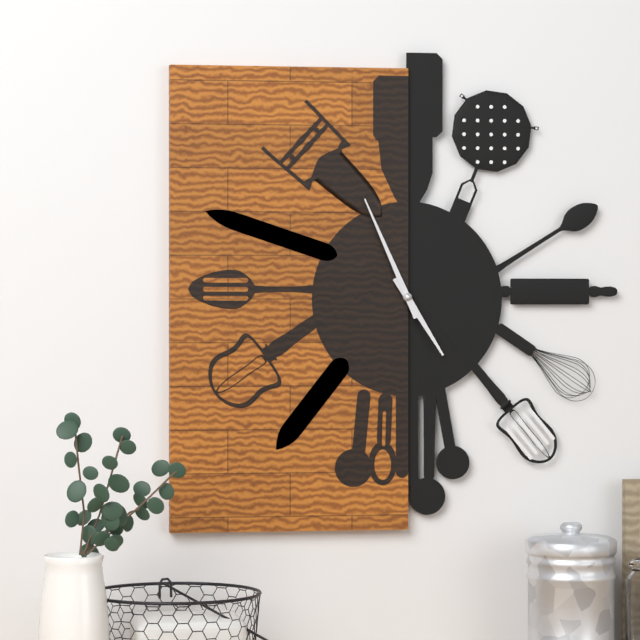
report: 4h56
